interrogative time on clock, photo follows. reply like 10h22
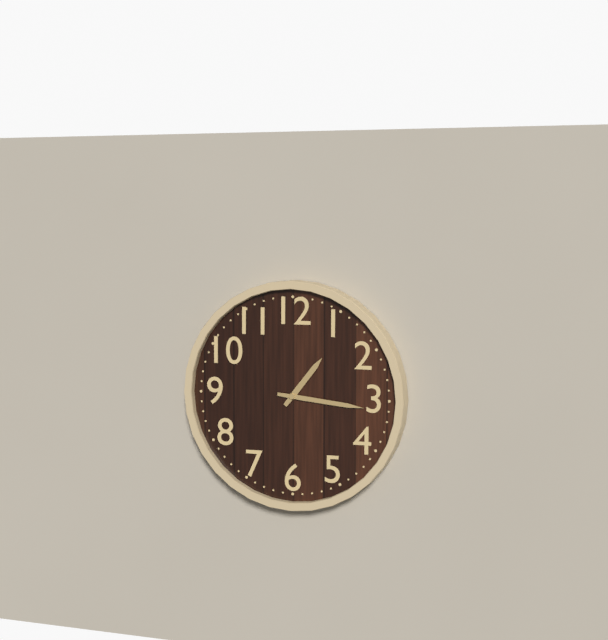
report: 1h16
